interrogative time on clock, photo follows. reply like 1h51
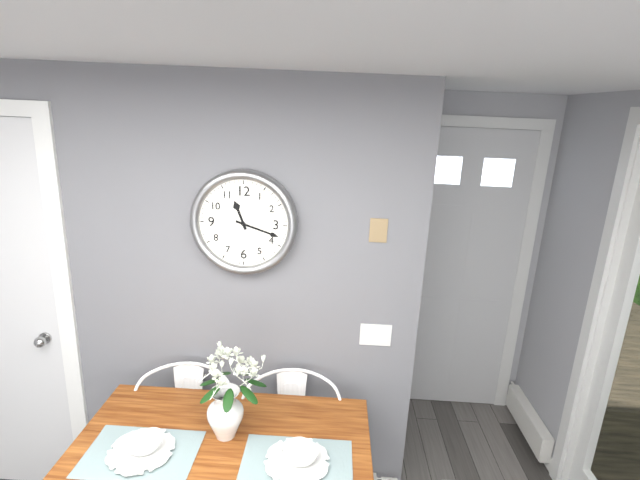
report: 11h18
